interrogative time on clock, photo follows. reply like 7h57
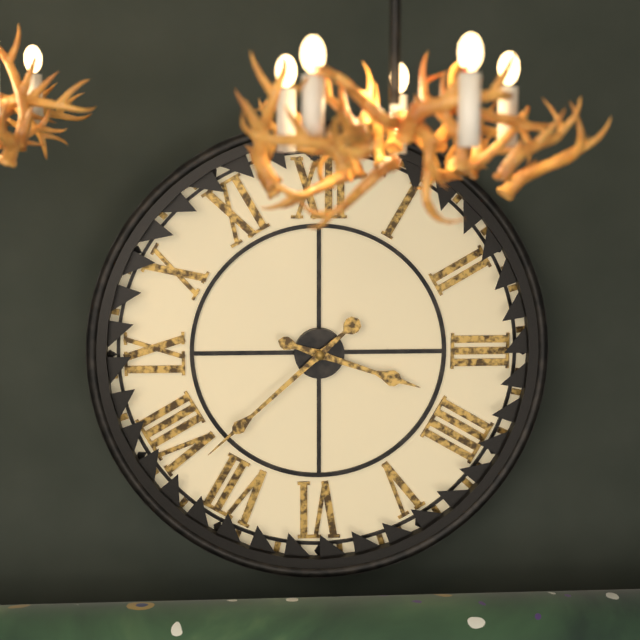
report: 3h38
